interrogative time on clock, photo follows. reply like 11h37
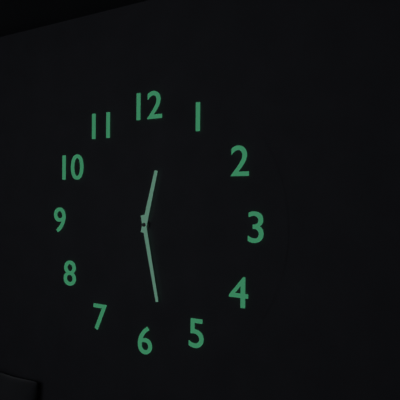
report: 12h28
